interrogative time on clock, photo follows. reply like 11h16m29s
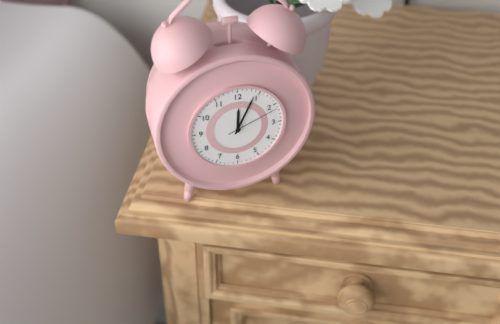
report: 12h04m11s
